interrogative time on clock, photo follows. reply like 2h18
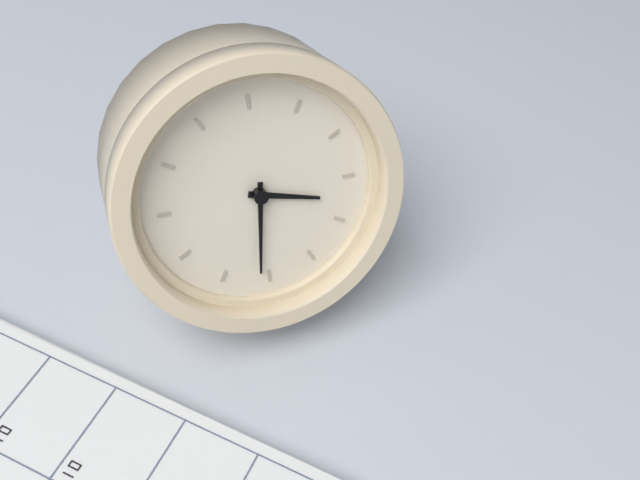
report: 3h31
